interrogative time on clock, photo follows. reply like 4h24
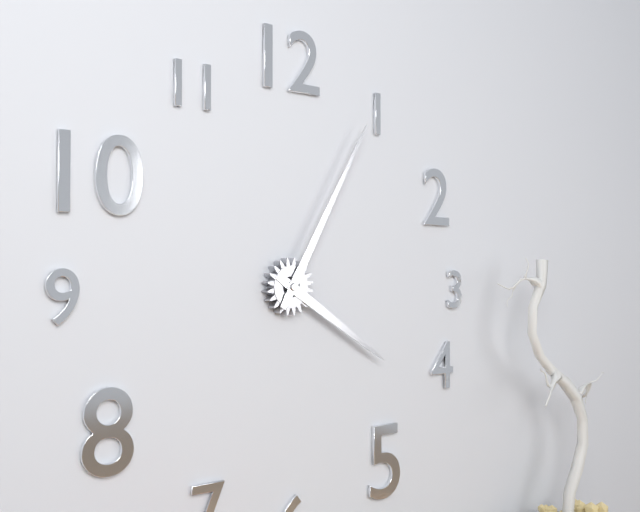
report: 4h05
